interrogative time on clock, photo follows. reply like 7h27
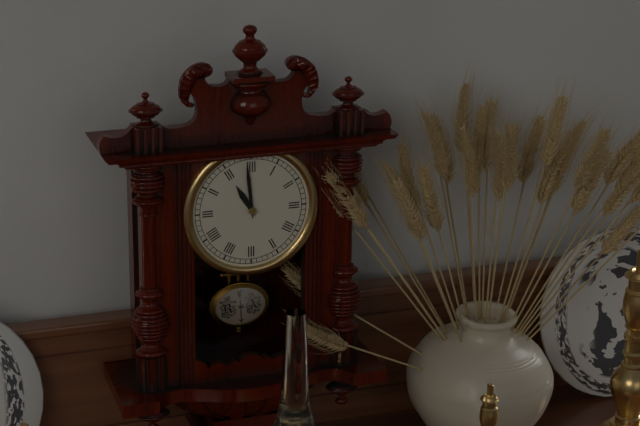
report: 10h59
